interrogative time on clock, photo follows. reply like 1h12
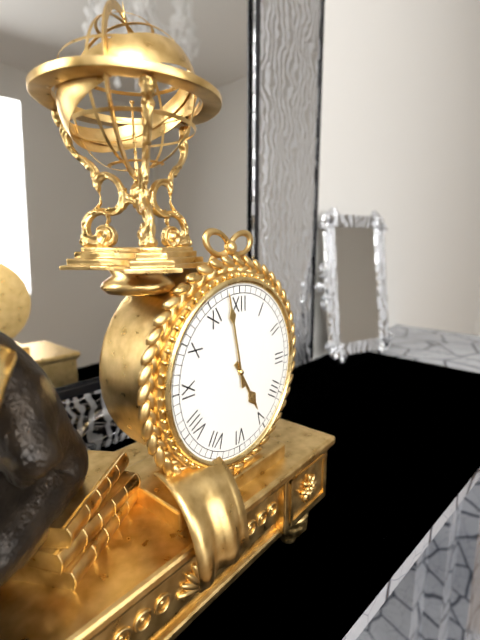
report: 4h58
